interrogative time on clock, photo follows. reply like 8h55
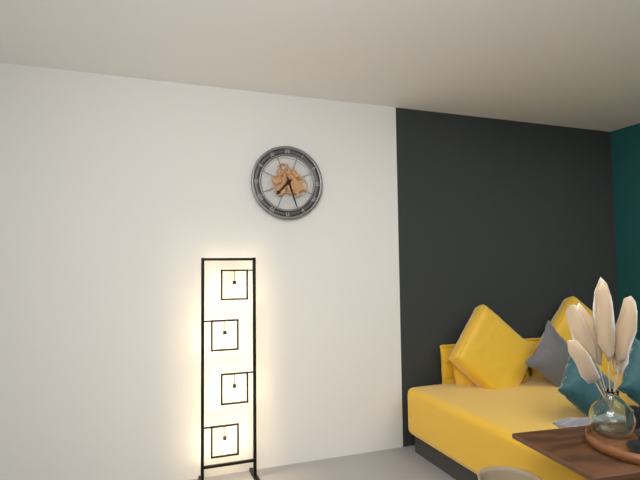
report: 7h27
